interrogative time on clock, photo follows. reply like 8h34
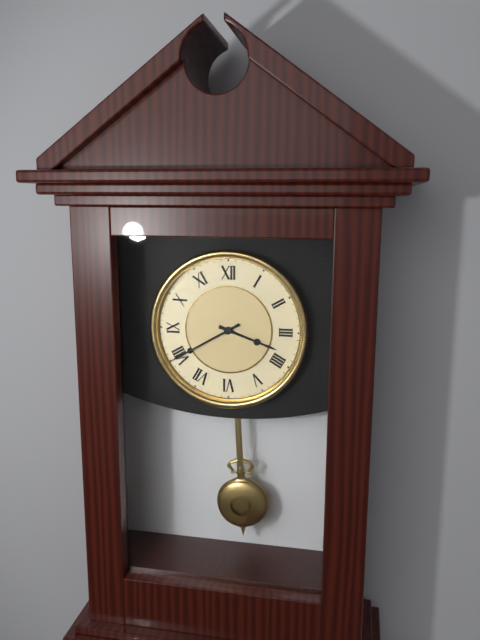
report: 3h40
